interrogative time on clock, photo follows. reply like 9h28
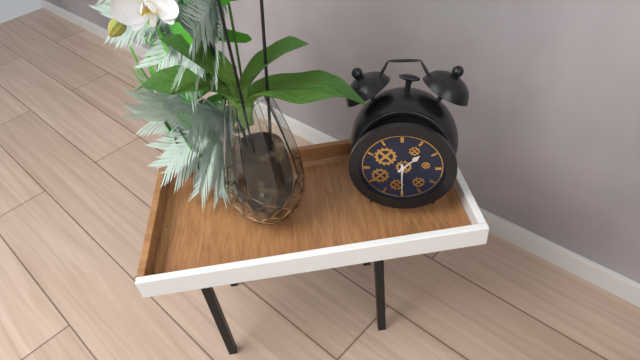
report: 1h30
